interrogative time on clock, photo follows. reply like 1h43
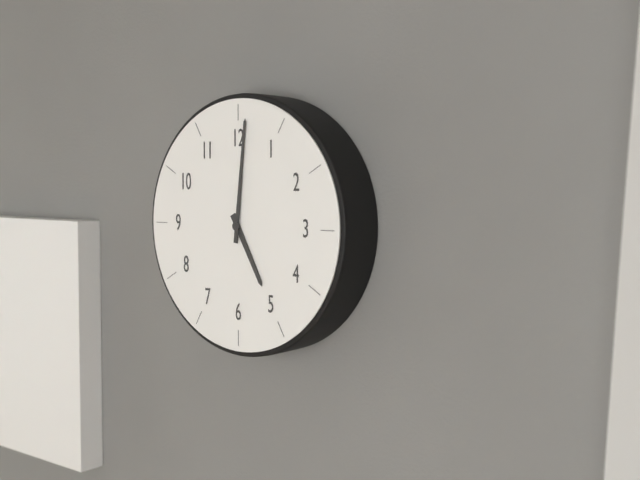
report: 5h01
